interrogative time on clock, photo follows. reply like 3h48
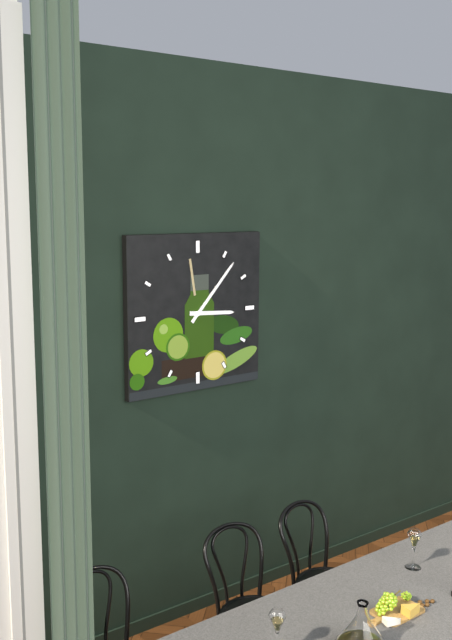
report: 3h07
